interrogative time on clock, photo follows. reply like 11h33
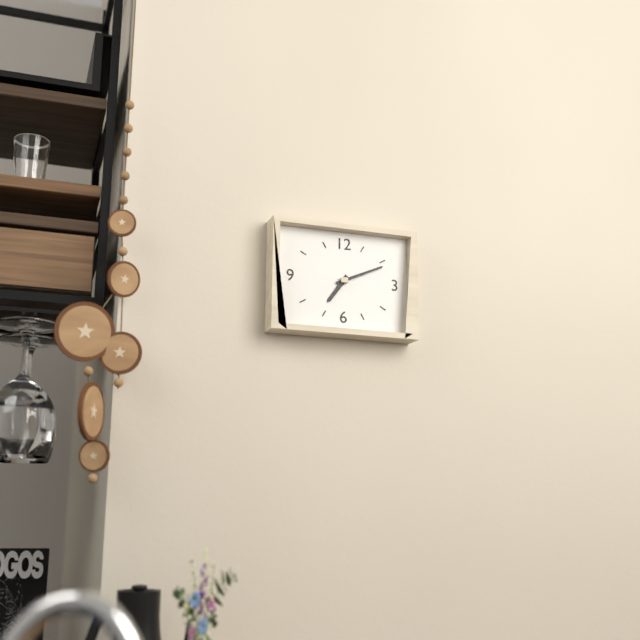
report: 7h11
